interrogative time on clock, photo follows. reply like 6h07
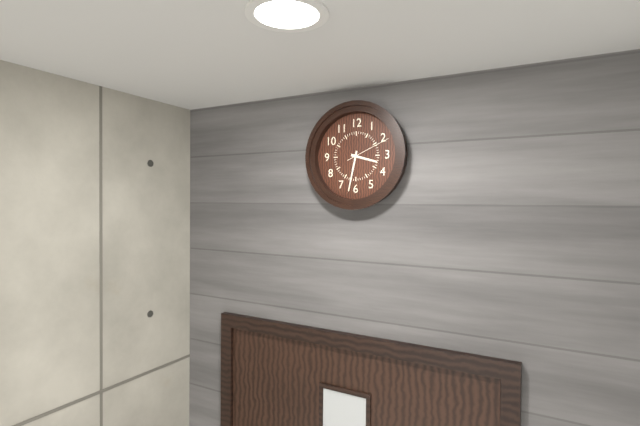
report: 3h32
